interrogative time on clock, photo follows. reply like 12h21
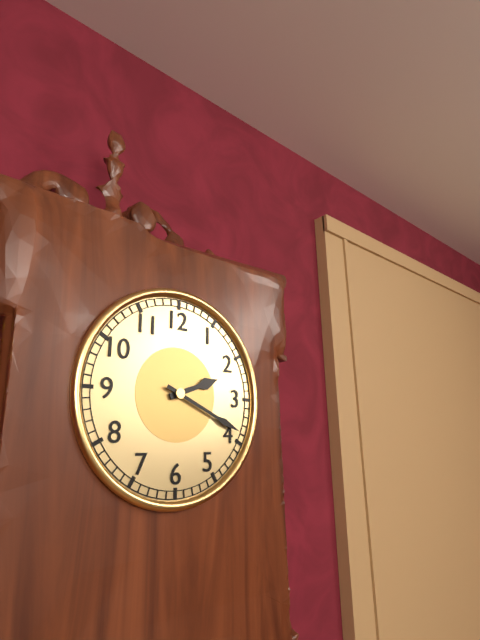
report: 2h19
